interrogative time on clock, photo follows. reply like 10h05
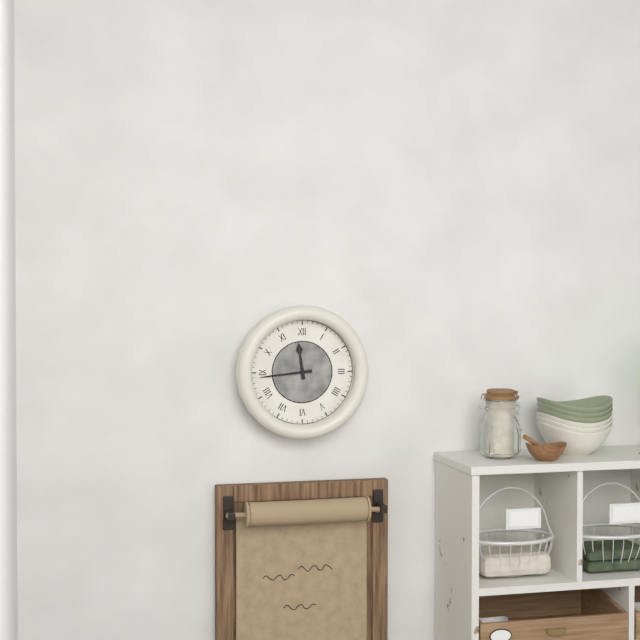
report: 11h44
